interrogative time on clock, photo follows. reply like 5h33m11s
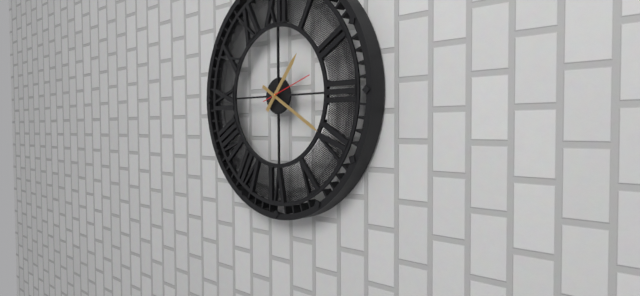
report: 1h20m12s
